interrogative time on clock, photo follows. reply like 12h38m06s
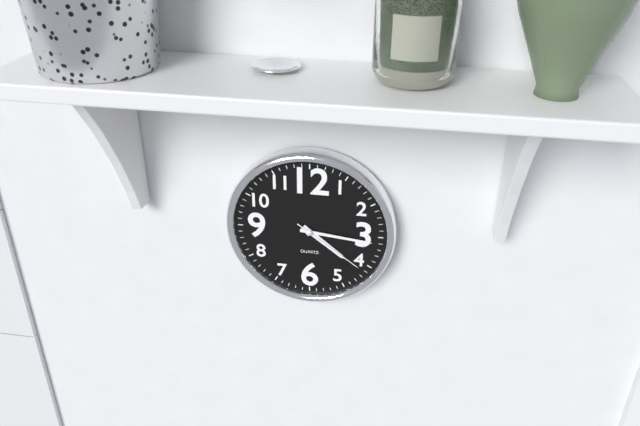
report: 4h16m21s
